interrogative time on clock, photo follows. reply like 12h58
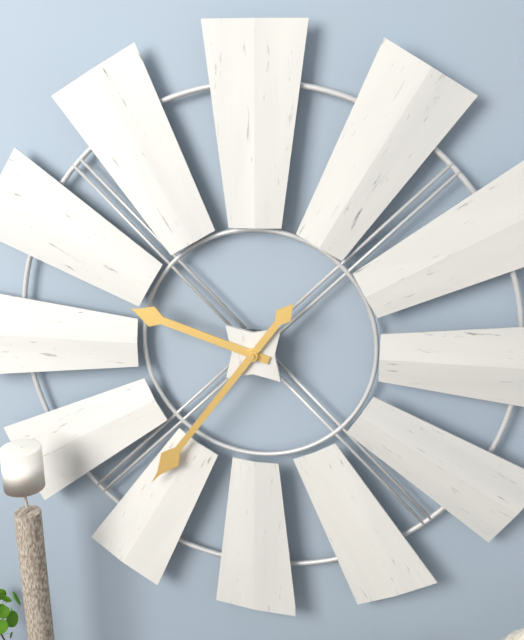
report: 9h36
